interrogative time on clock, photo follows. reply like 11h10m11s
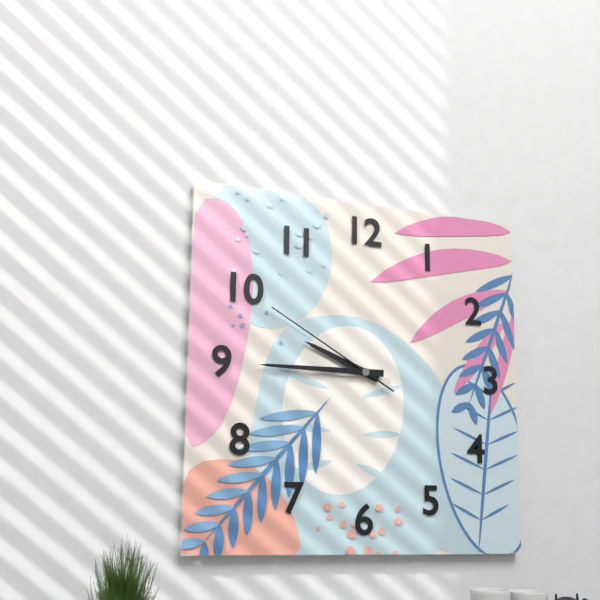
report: 9h45m50s
